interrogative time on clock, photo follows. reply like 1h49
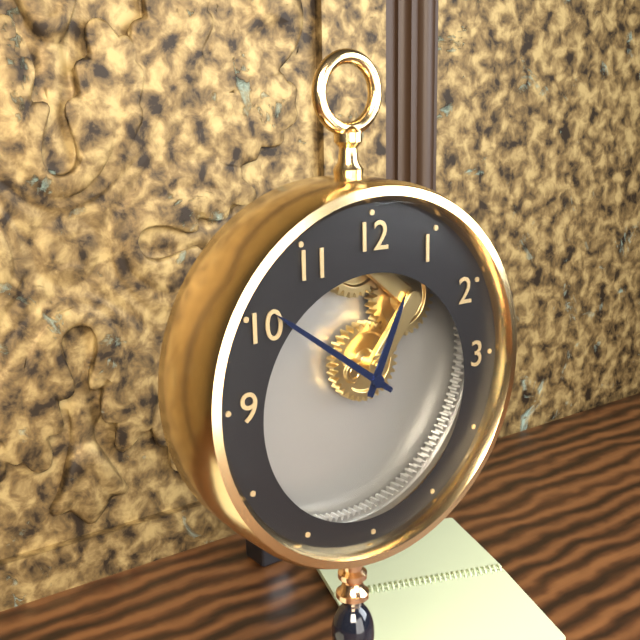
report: 12h51
